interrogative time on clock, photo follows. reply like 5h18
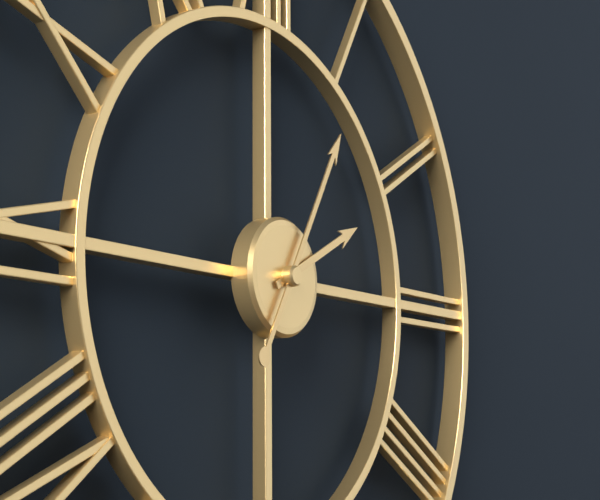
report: 2h05
